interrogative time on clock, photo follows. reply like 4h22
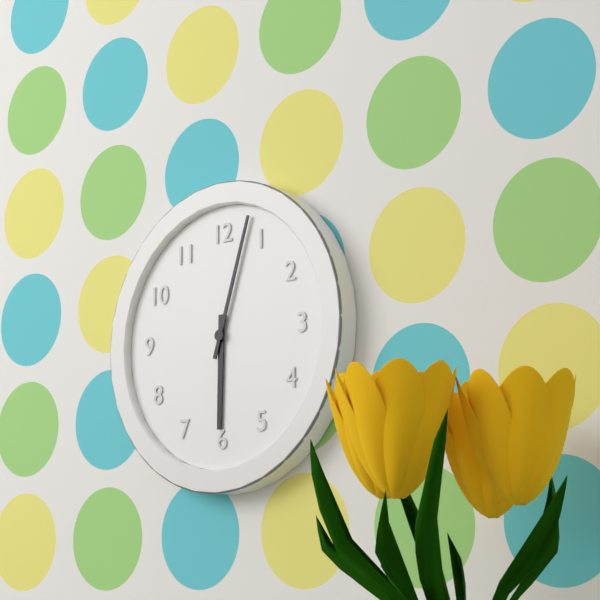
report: 6h03
